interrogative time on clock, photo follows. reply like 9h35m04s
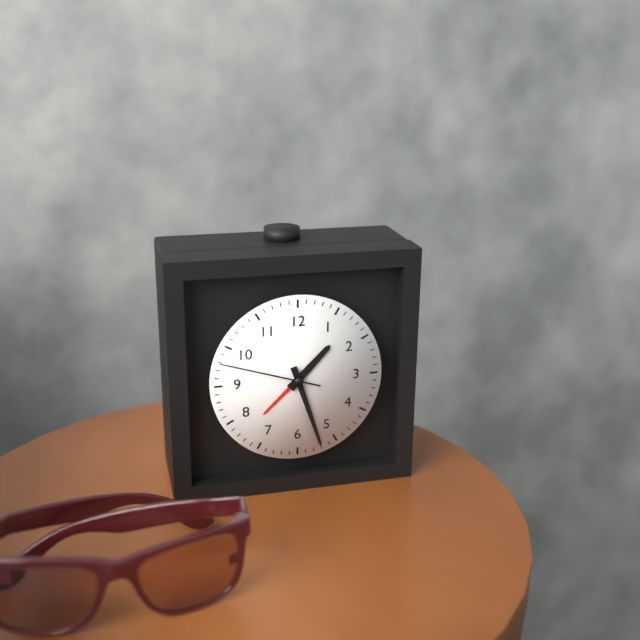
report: 1h27m48s
